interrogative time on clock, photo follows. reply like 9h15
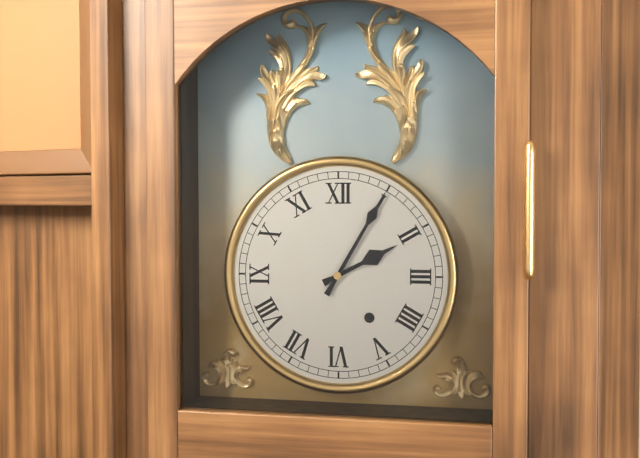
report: 2h05
